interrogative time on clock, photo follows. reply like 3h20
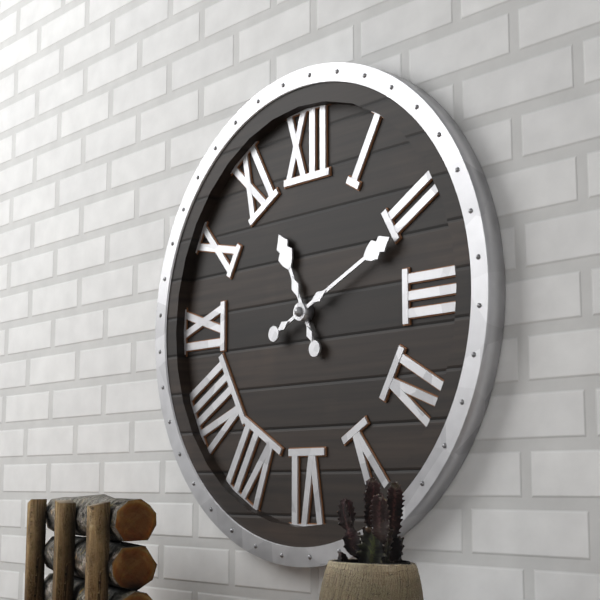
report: 11h11
